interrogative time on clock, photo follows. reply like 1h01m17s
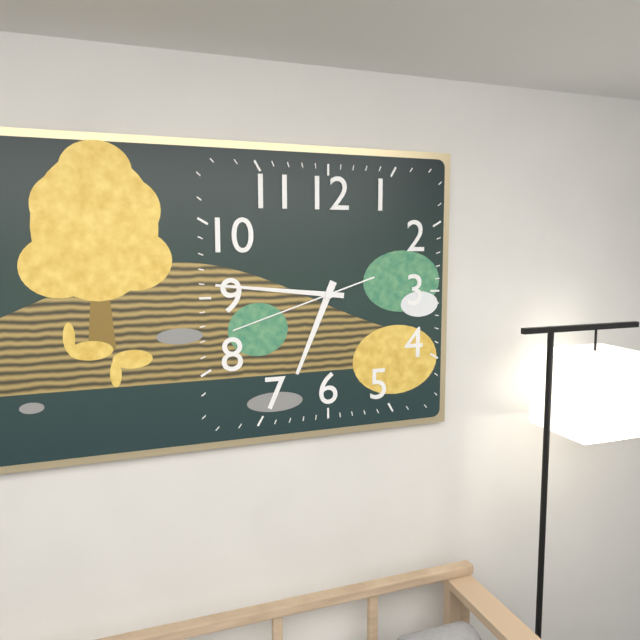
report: 6h46m42s
